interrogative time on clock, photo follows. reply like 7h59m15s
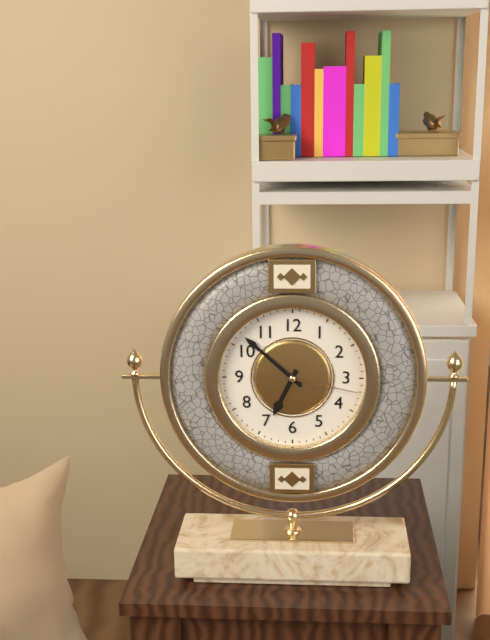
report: 6h52m17s
